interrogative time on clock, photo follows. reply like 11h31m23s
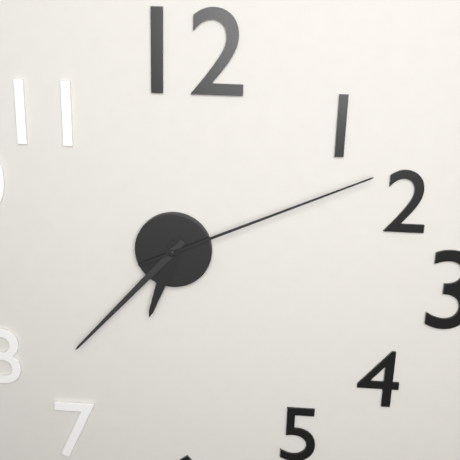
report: 6h37m11s
